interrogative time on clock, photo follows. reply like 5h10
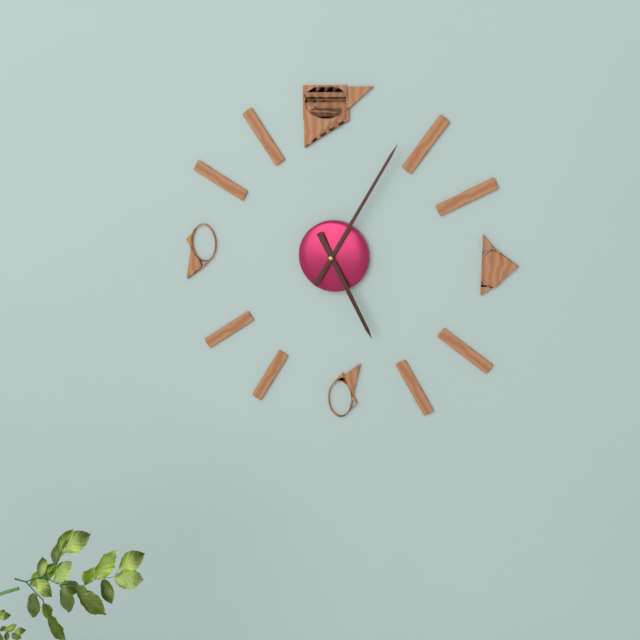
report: 5h05
